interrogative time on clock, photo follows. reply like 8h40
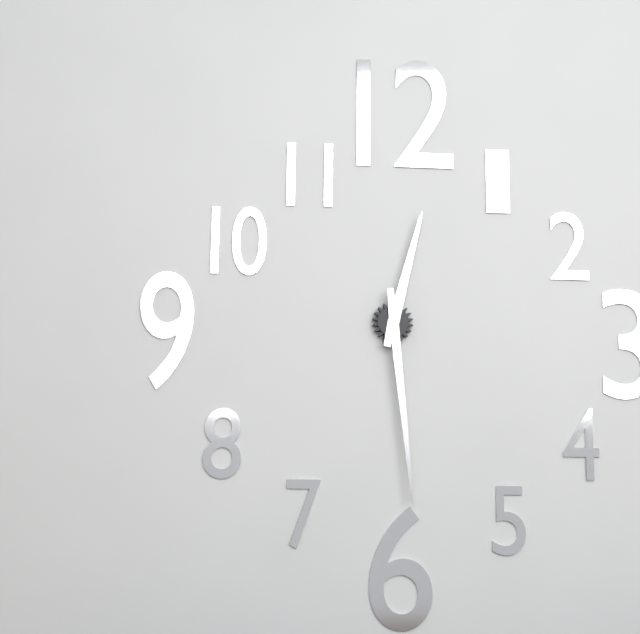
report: 12h29
